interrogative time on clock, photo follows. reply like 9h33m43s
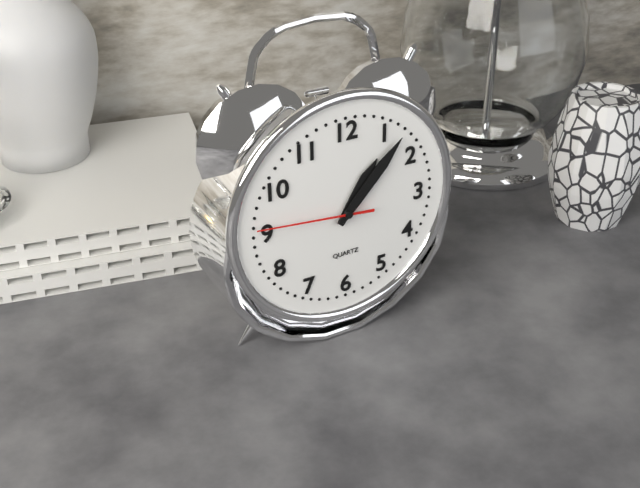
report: 1h07m46s
